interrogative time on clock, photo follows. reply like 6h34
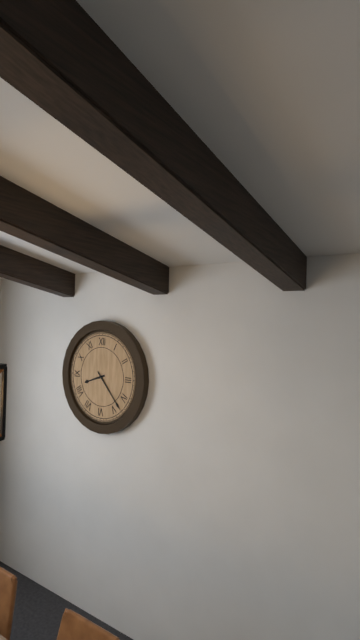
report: 8h23
